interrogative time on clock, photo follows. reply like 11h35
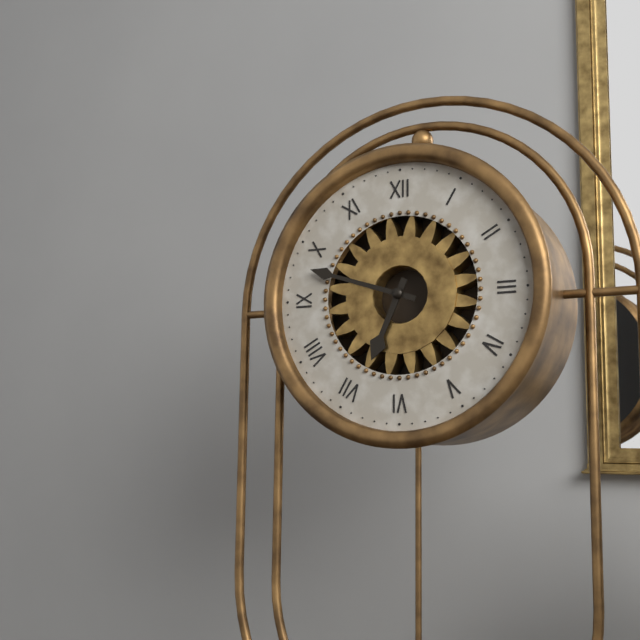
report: 6h48
